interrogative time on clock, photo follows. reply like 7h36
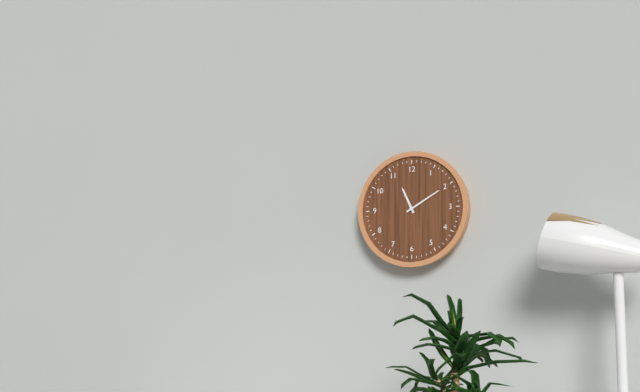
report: 11h10
